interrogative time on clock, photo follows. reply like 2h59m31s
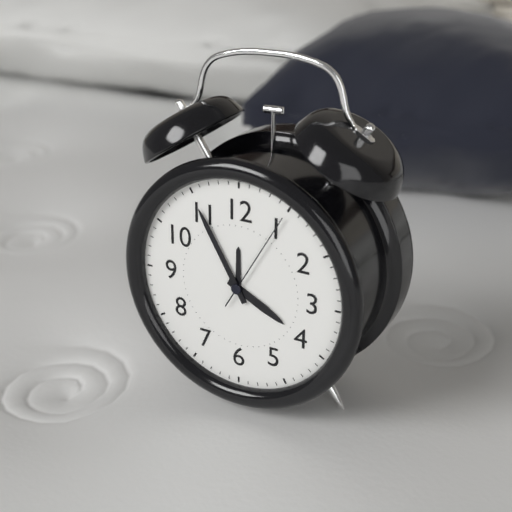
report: 3h55m05s
